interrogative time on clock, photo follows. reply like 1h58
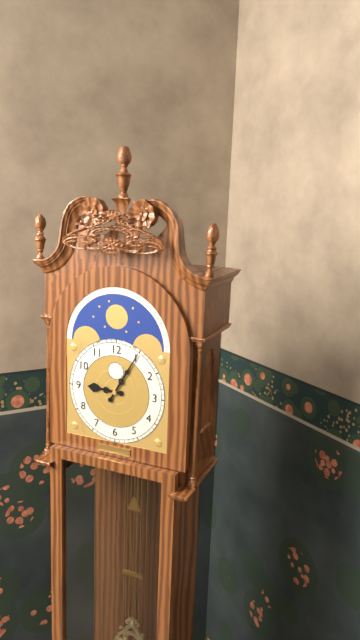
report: 9h05
